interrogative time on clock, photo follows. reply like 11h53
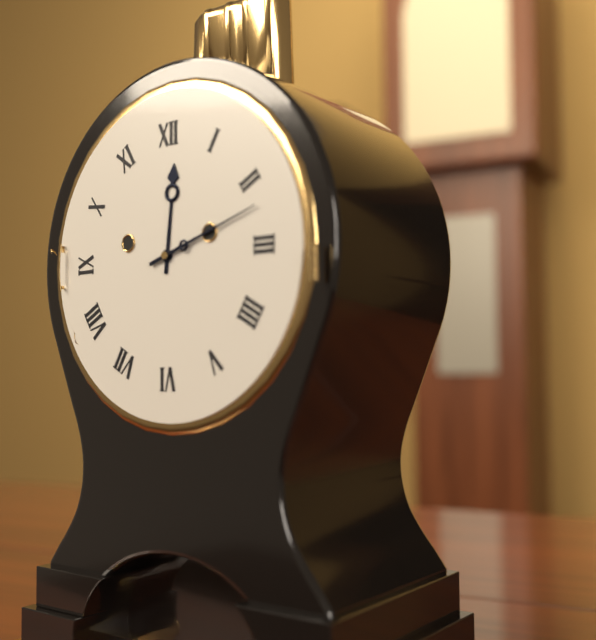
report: 12h12
